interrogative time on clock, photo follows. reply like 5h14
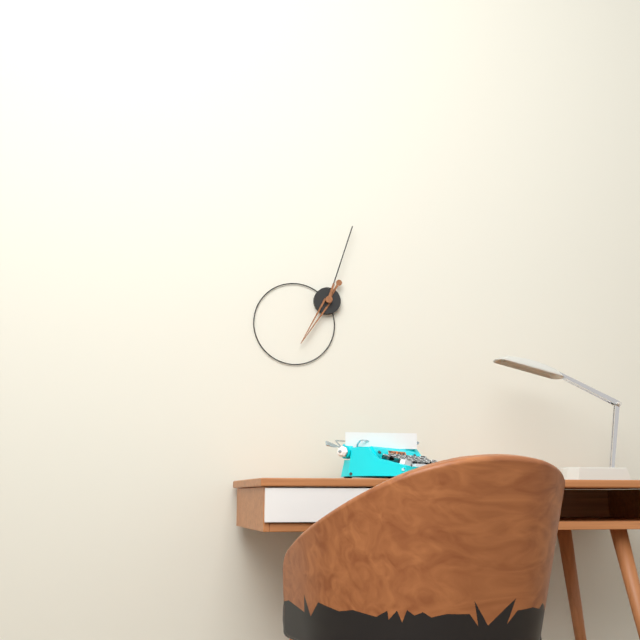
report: 7h03
